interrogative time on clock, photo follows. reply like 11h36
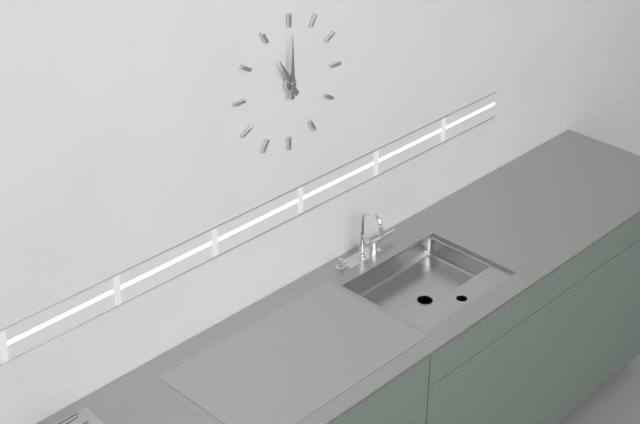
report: 11h00
